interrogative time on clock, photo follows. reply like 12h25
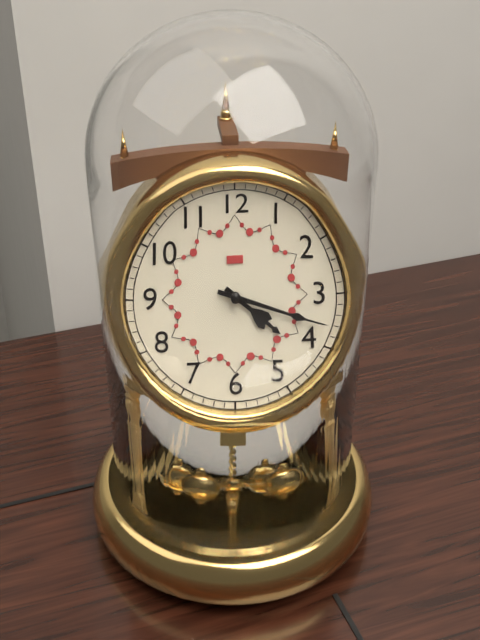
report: 4h18
